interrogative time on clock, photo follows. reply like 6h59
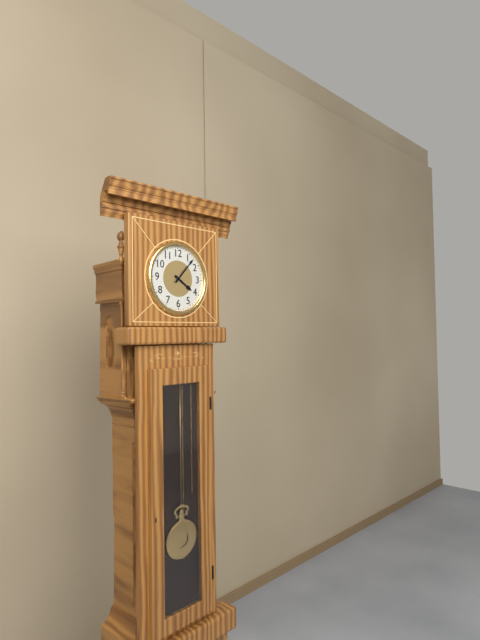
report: 4h07
